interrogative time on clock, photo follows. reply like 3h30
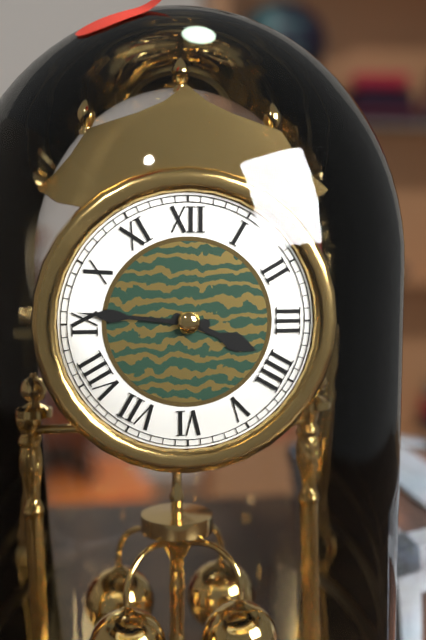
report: 3h46
